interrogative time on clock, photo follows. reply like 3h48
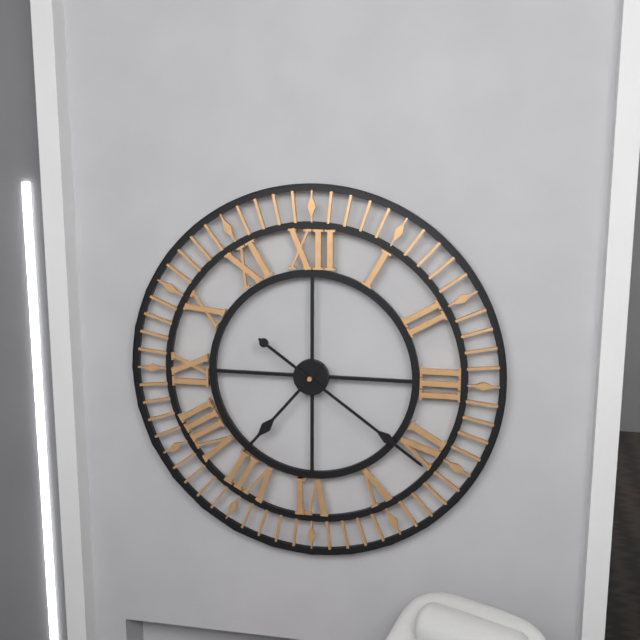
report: 7h21
